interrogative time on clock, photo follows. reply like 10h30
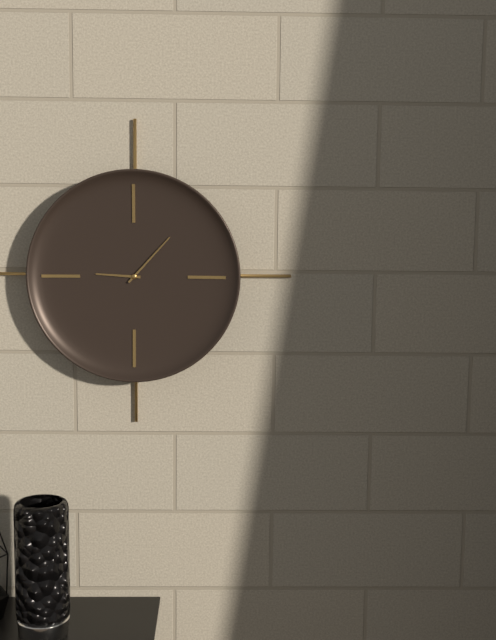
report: 9h07
